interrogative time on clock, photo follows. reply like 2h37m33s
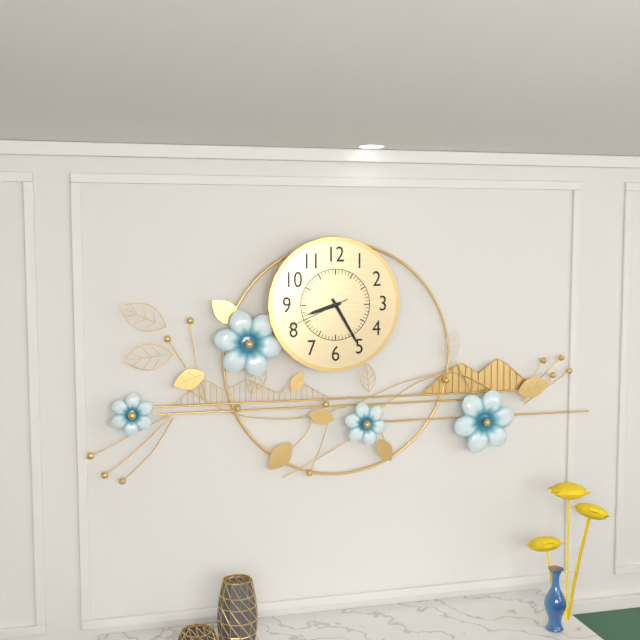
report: 8h25m41s
